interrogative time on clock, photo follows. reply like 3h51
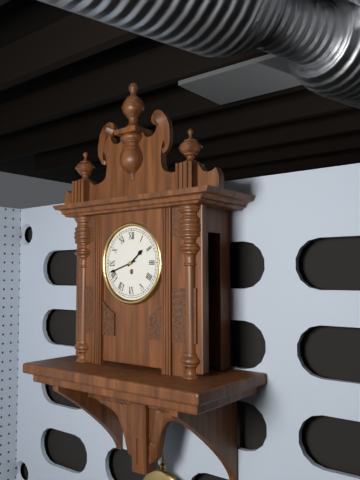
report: 1h42
